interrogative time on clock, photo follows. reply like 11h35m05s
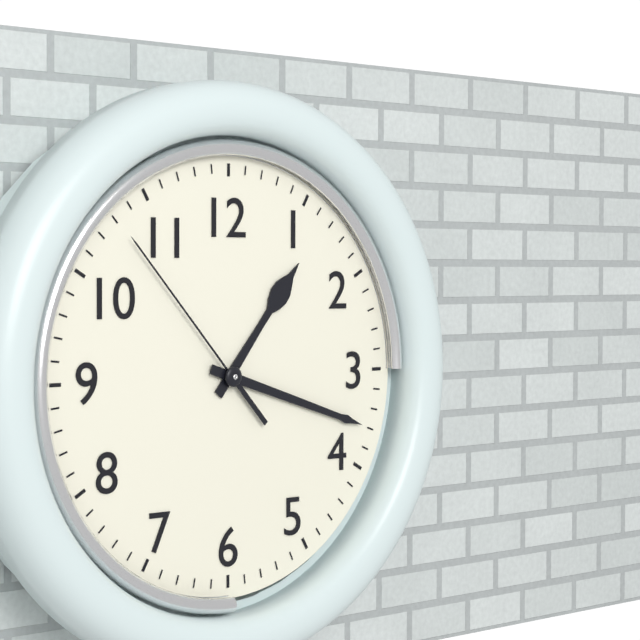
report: 1h18m53s
